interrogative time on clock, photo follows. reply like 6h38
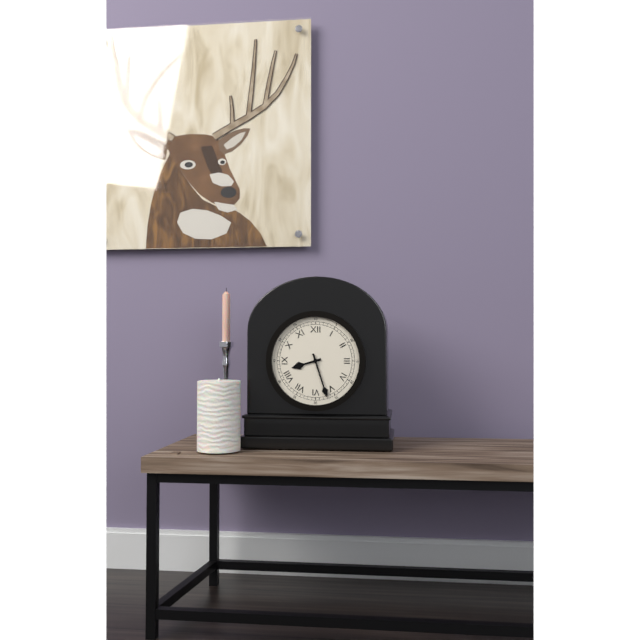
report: 8h27
